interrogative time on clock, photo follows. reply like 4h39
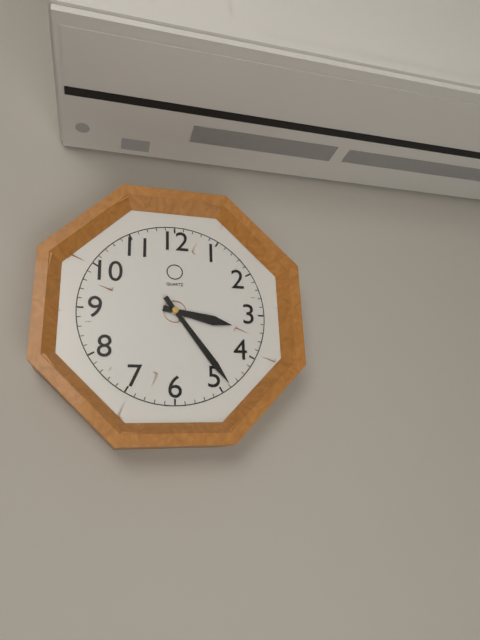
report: 3h24
